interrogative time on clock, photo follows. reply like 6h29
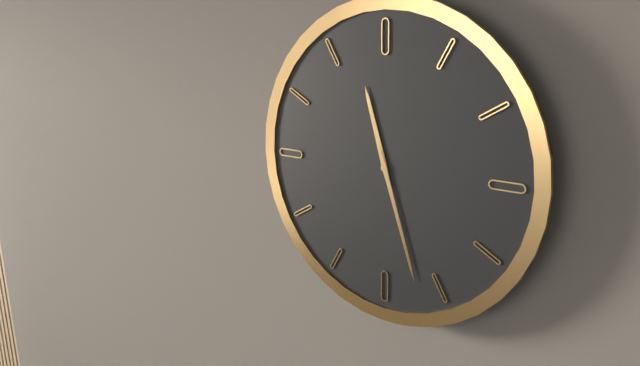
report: 11h27
